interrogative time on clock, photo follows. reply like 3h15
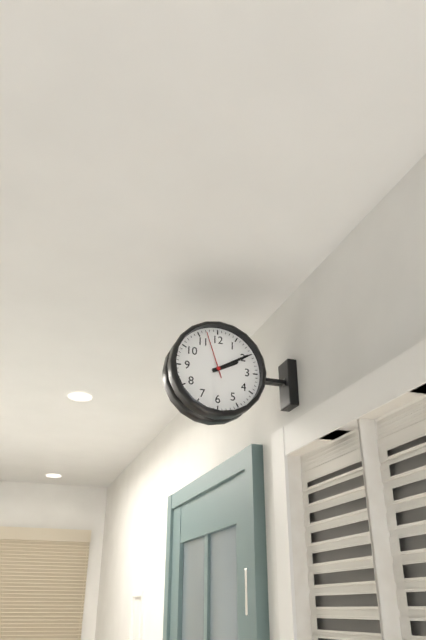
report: 2h10
